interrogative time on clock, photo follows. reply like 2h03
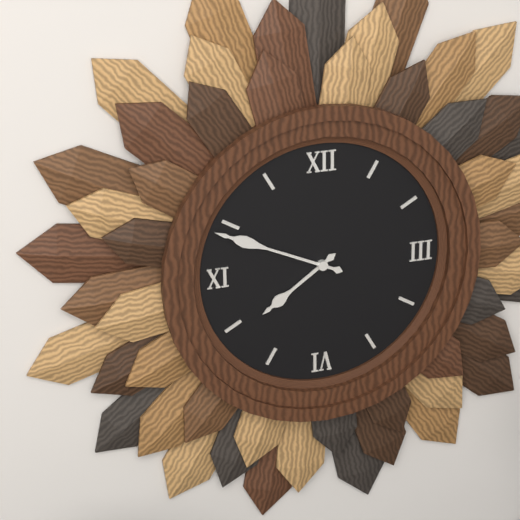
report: 7h49
